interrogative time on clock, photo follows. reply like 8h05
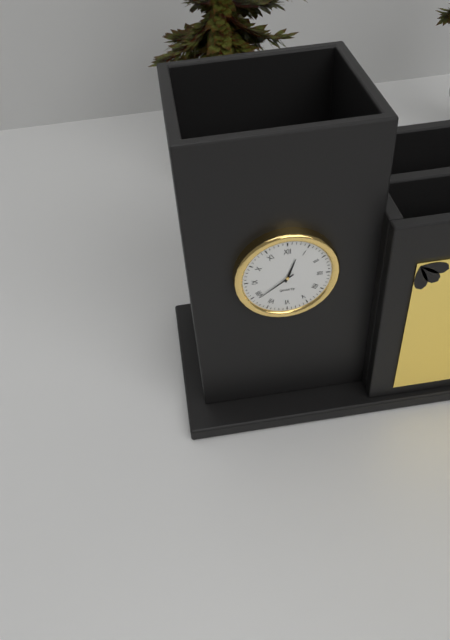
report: 12h39
